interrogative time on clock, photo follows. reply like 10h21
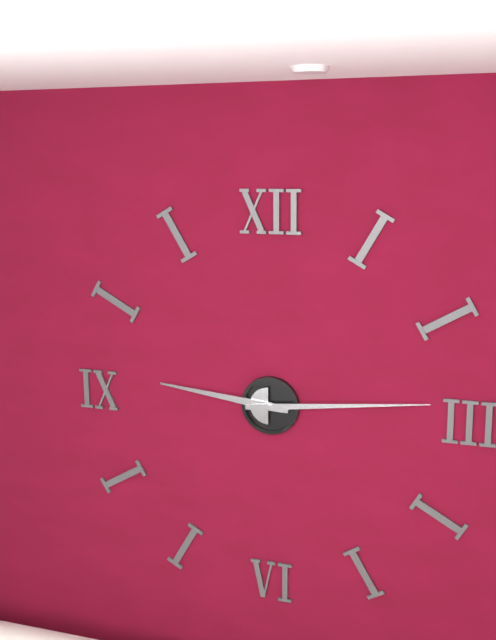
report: 9h14
